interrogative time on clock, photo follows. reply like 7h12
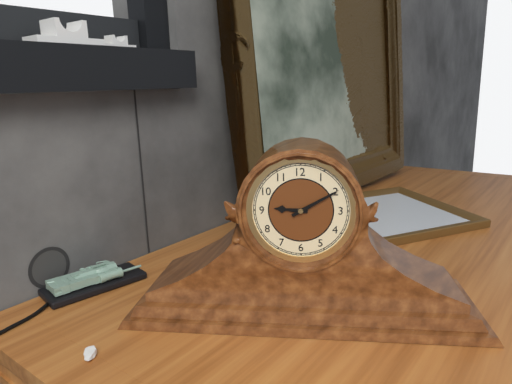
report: 9h10
